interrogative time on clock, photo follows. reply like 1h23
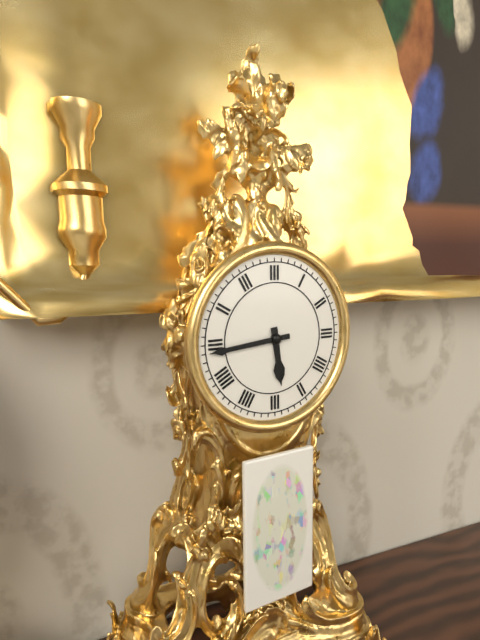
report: 5h44
